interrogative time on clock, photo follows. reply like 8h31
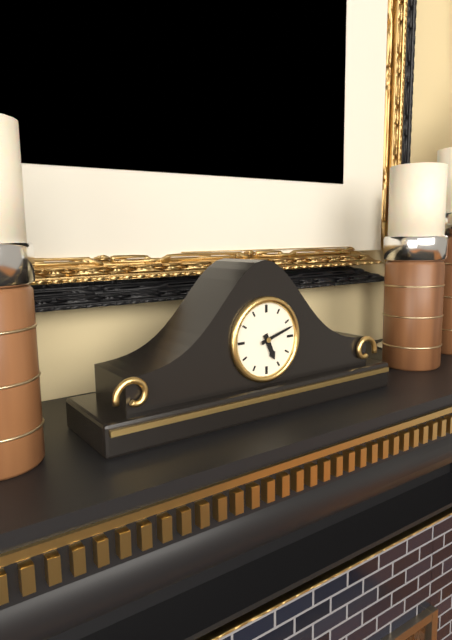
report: 5h12
